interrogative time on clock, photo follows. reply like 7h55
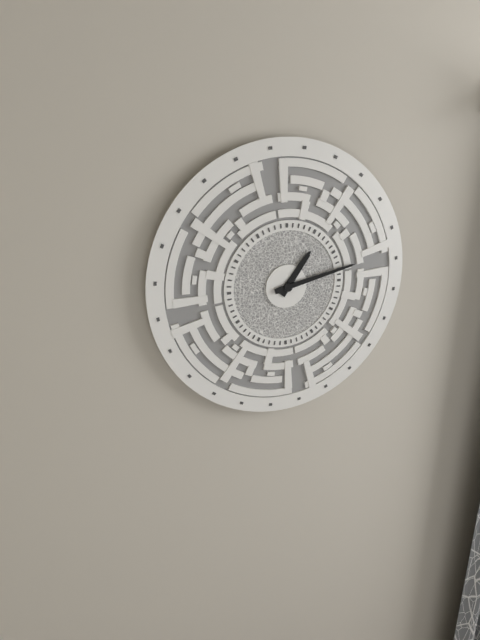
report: 1h13
